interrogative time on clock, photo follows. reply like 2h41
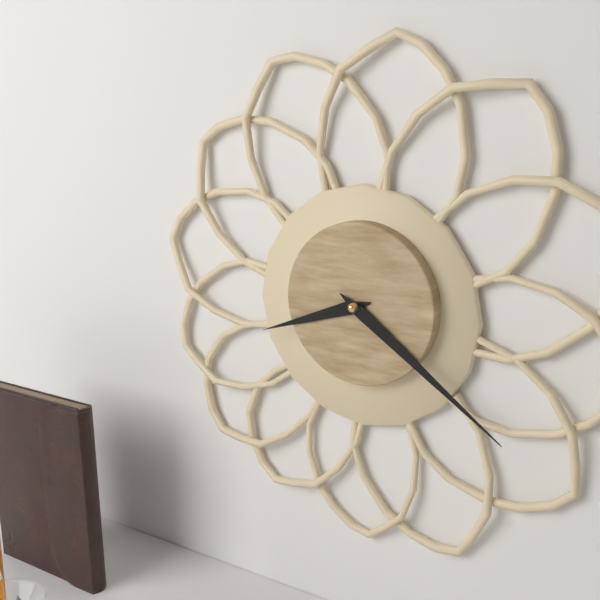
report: 8h21
